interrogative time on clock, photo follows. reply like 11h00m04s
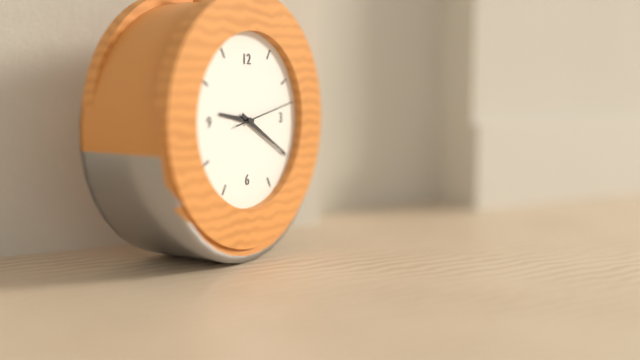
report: 9h20m13s
